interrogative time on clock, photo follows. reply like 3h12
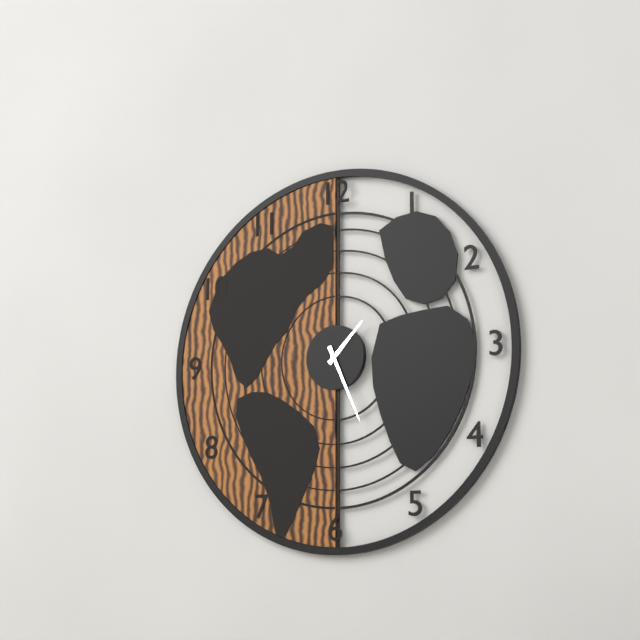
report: 1h26
